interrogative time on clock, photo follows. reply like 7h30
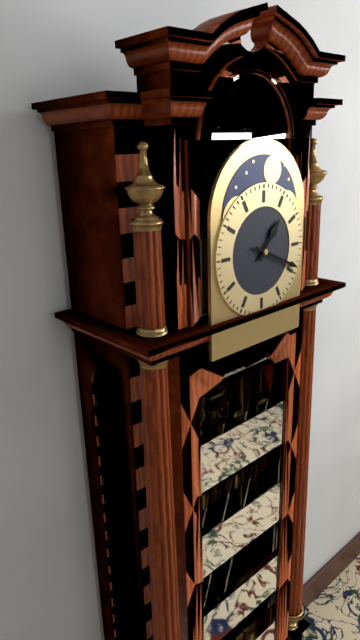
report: 1h19
